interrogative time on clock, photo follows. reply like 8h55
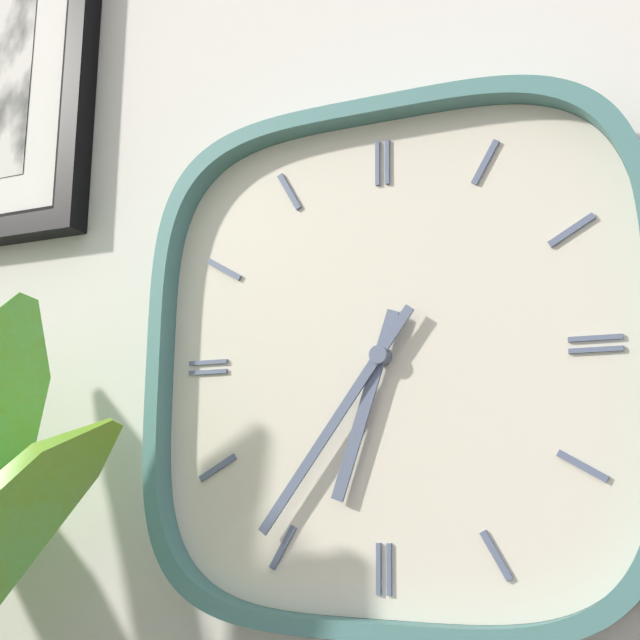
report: 6h36
